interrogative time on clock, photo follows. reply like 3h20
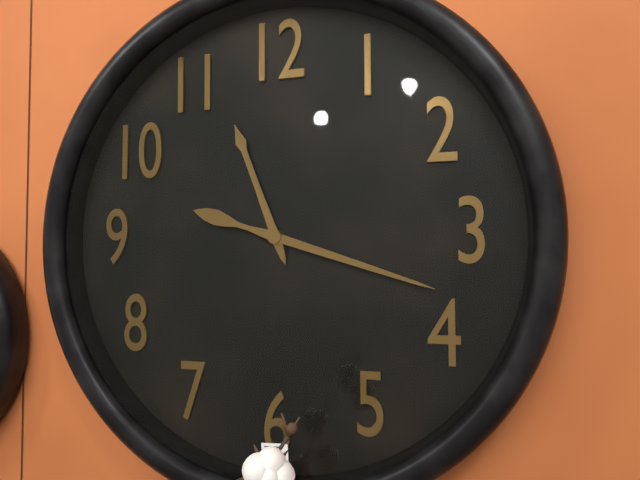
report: 11h18
